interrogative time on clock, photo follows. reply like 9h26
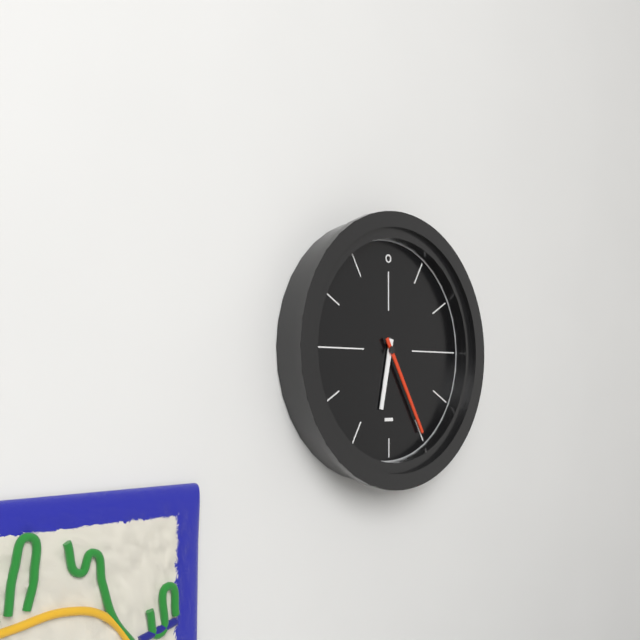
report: 6h25
